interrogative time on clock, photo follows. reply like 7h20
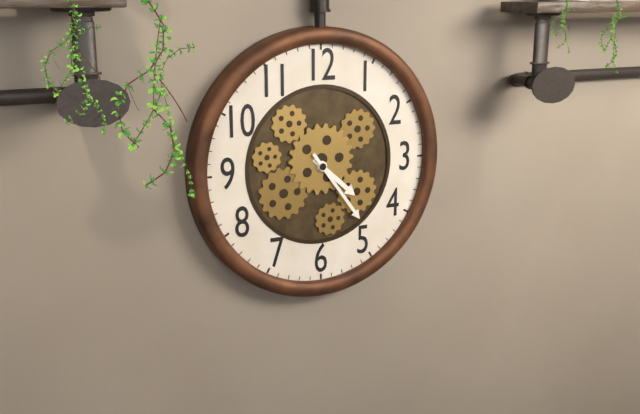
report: 4h24
